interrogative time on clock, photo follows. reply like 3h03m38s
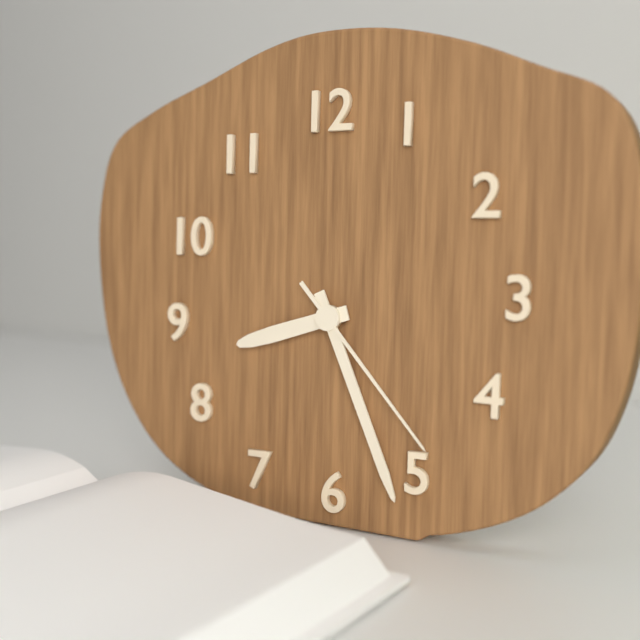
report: 8h26m23s
